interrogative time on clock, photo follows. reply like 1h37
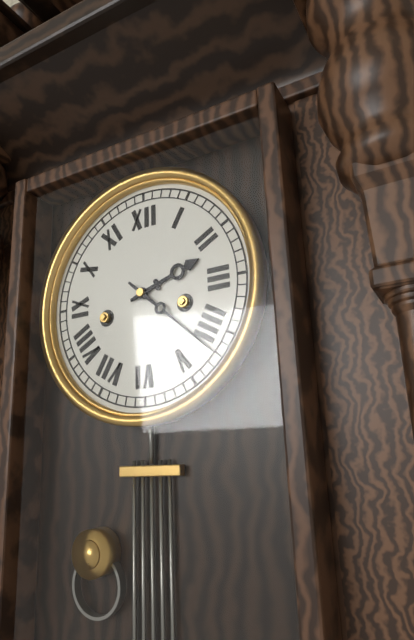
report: 2h22
